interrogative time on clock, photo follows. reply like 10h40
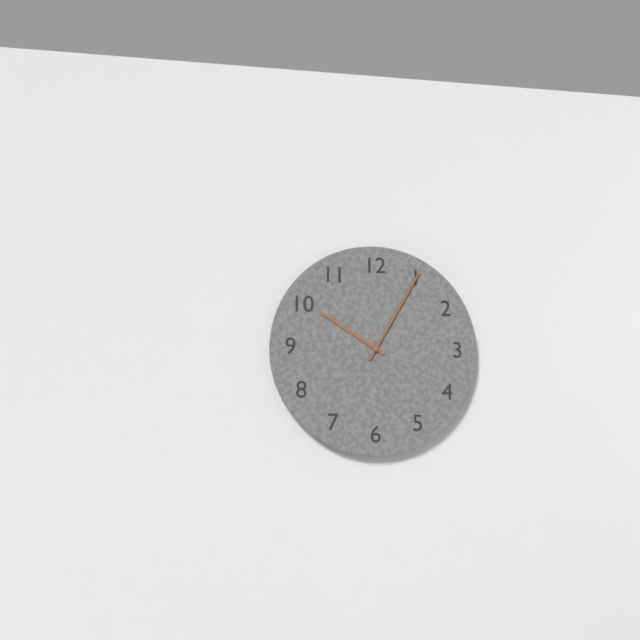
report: 10h05
